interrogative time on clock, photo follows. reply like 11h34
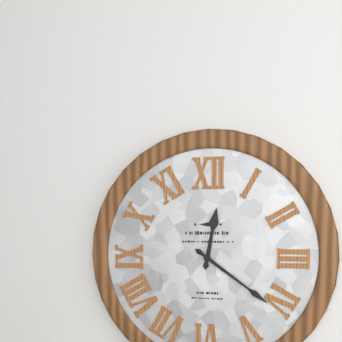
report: 12h21
